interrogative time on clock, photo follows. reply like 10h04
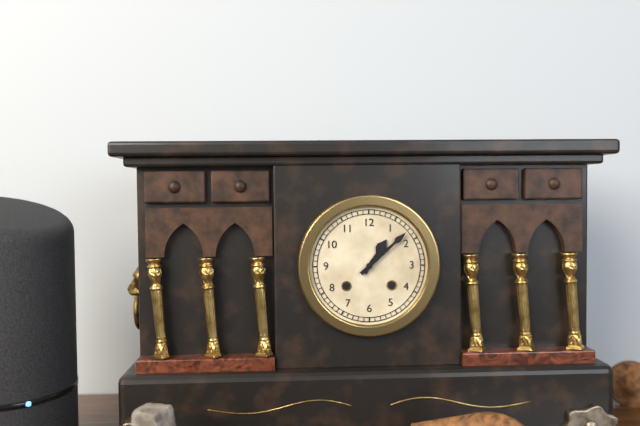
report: 1h08
